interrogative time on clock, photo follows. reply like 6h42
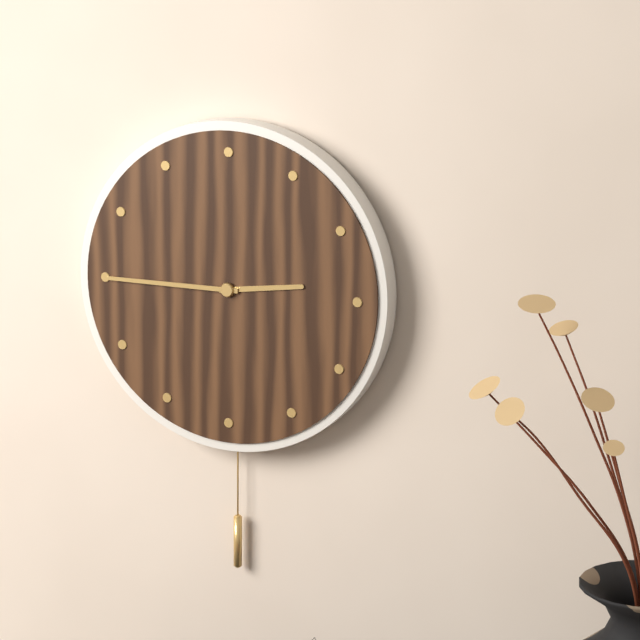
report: 2h45
